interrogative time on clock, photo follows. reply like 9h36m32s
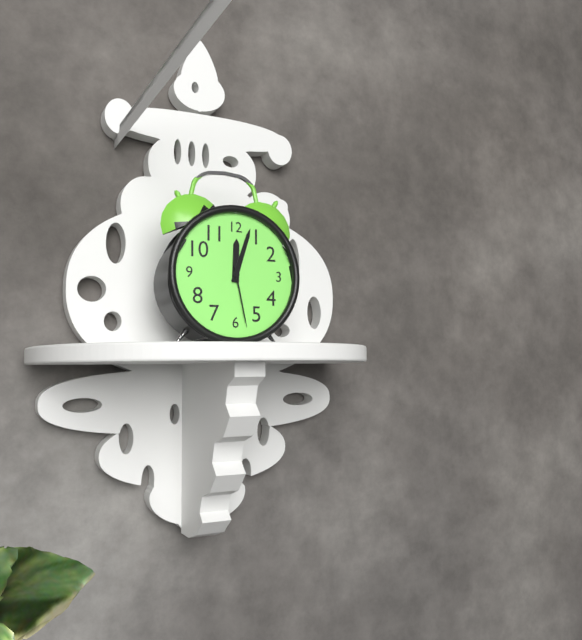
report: 12h03m28s
